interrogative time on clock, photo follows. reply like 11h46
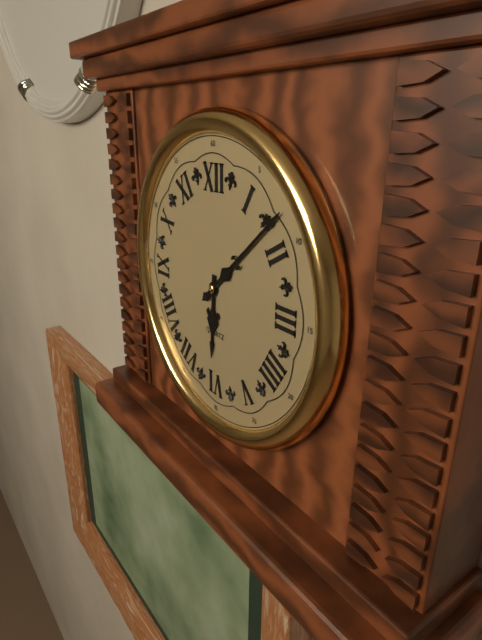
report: 6h08
